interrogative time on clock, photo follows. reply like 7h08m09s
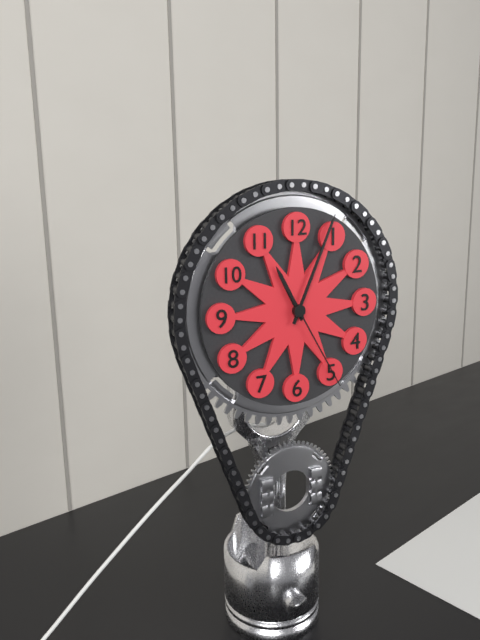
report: 11h04m25s
